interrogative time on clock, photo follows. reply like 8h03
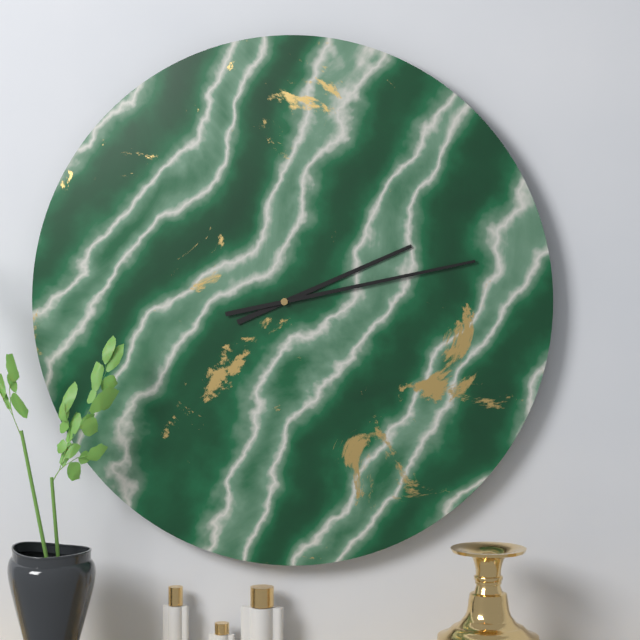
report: 2h13
